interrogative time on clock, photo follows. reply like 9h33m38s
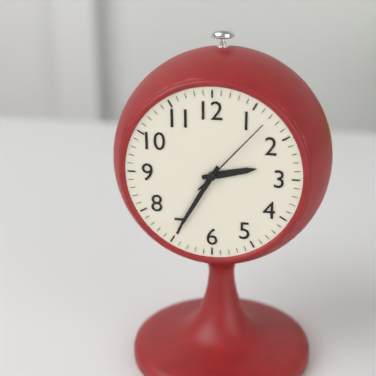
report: 2h35m07s
